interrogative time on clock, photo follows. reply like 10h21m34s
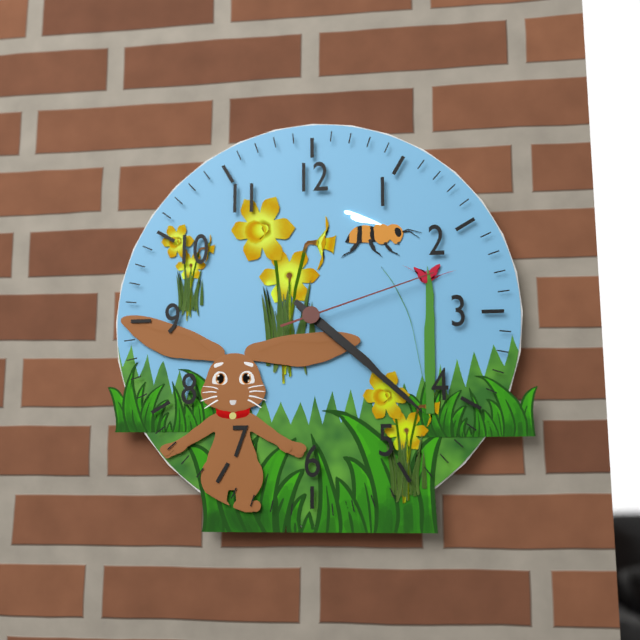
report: 4h22m12s
